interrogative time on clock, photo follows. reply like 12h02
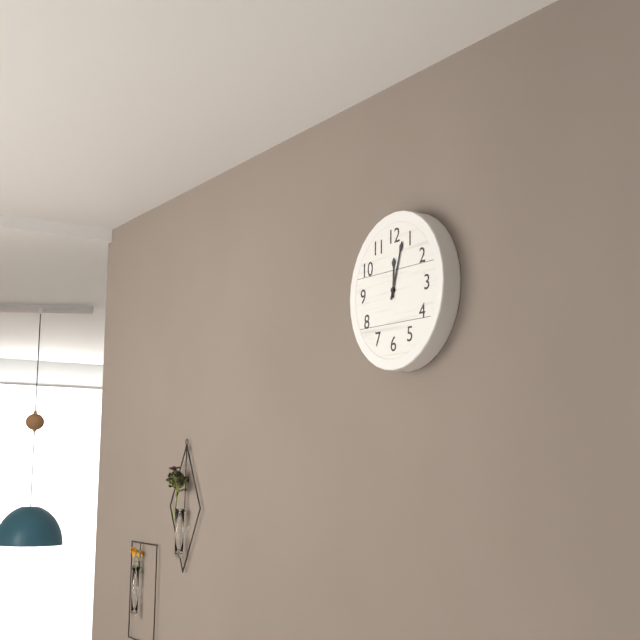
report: 12h03
